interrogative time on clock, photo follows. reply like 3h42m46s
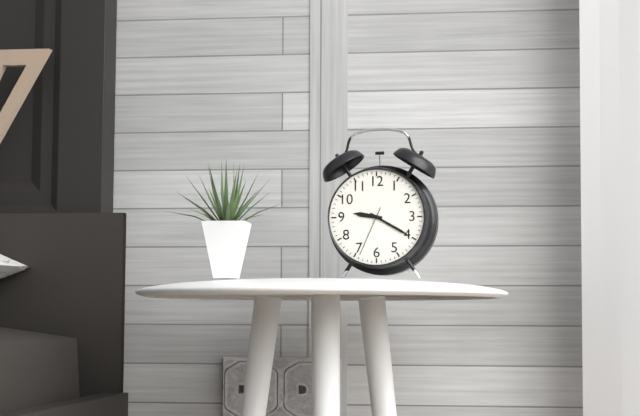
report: 9h20m34s
